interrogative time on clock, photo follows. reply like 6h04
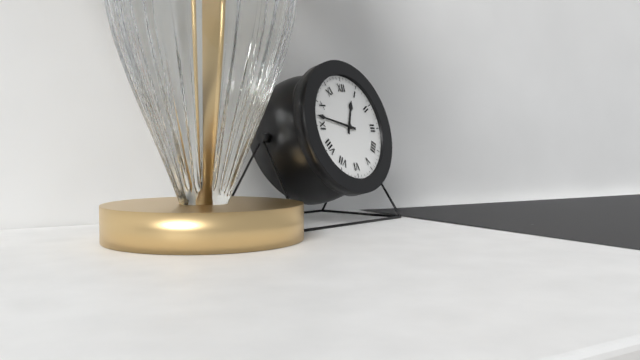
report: 12h47
